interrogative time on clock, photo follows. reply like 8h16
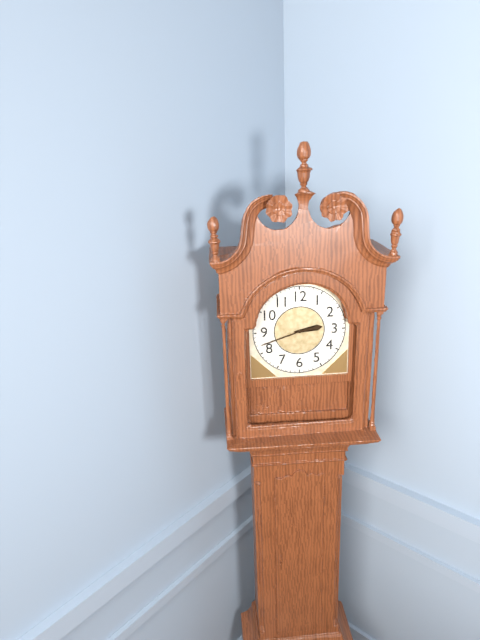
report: 2h42
